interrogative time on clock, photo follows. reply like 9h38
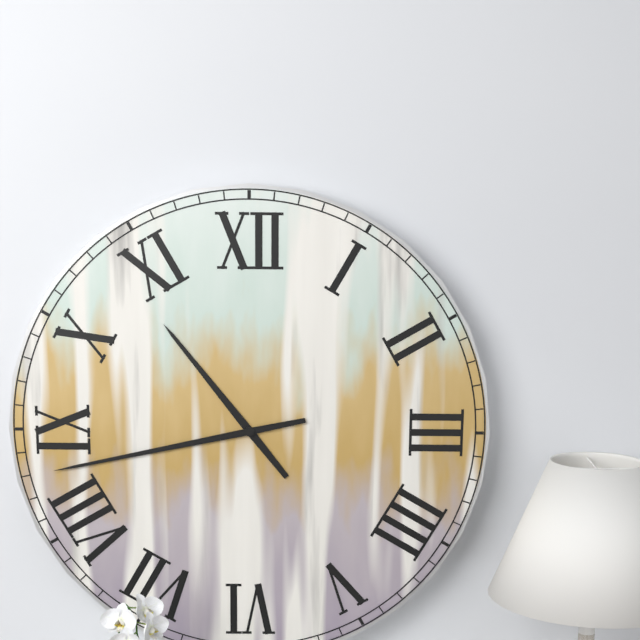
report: 10h43
